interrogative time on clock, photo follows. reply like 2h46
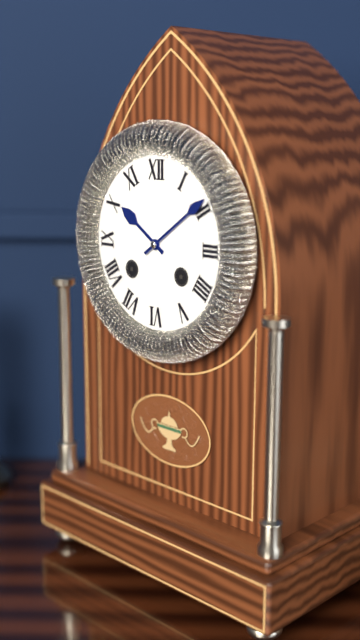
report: 10h09
